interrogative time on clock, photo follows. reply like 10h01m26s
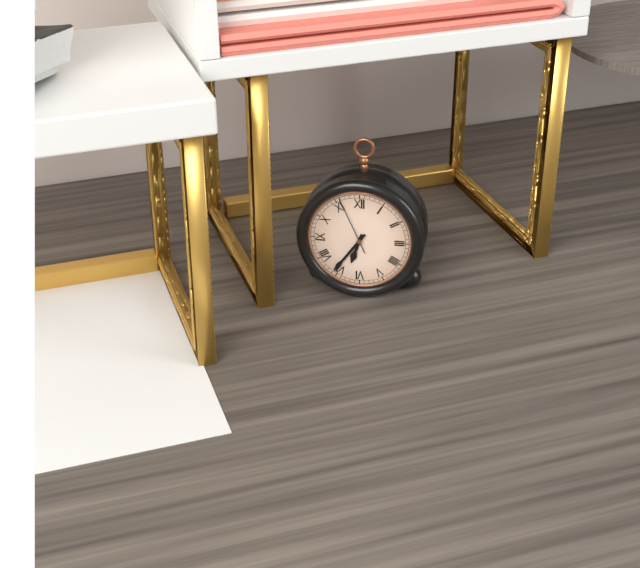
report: 6h36m56s
